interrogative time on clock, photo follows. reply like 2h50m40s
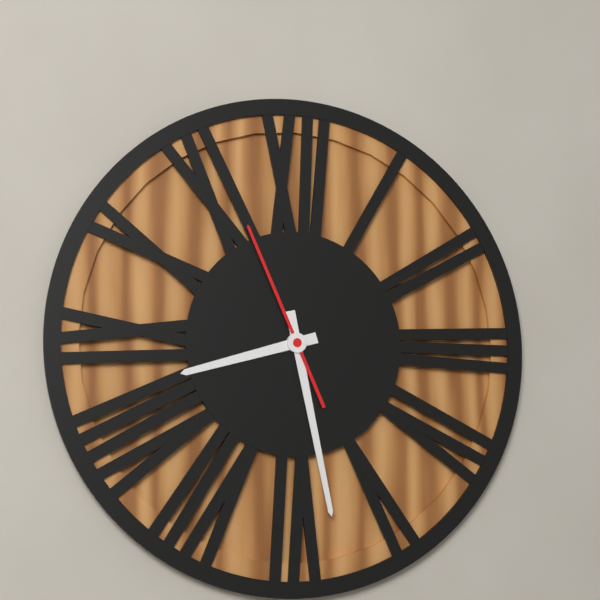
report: 8h28m56s
